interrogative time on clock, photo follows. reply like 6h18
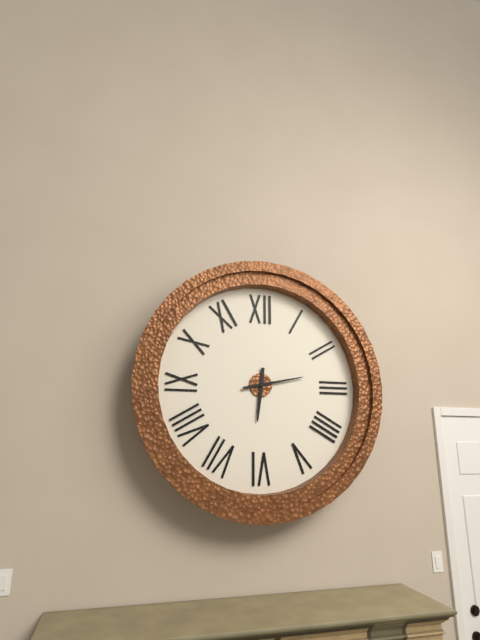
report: 6h13
